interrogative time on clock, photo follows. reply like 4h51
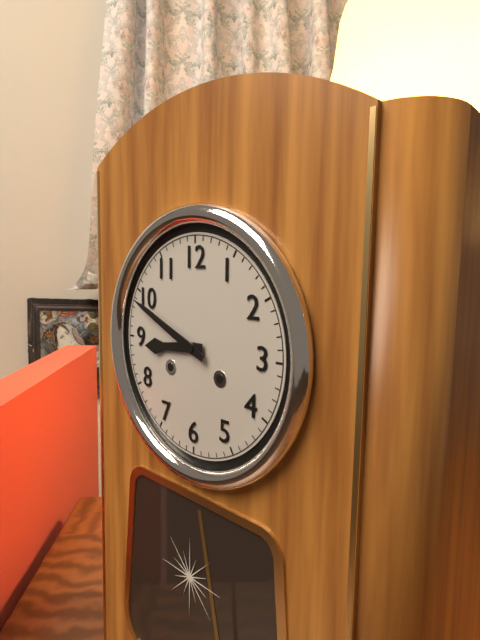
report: 8h49
